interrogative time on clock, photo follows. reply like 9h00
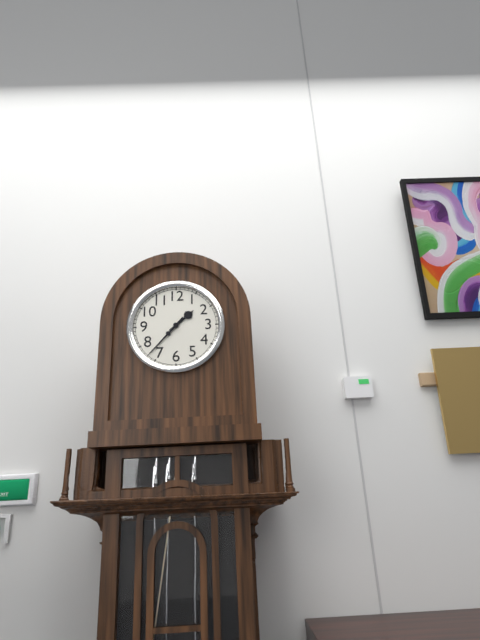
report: 1h37
